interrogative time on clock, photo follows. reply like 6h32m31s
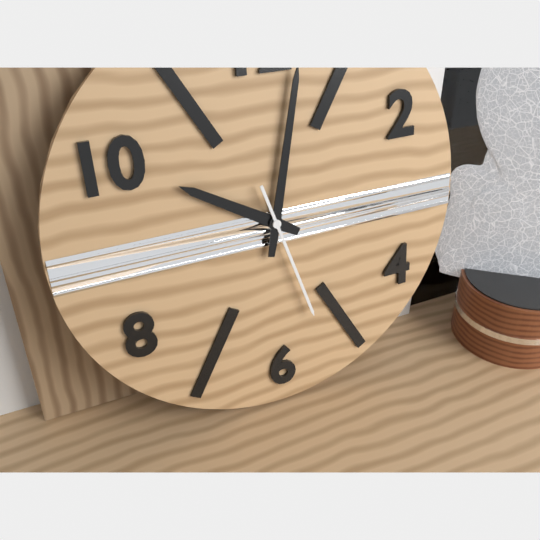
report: 10h02m27s
